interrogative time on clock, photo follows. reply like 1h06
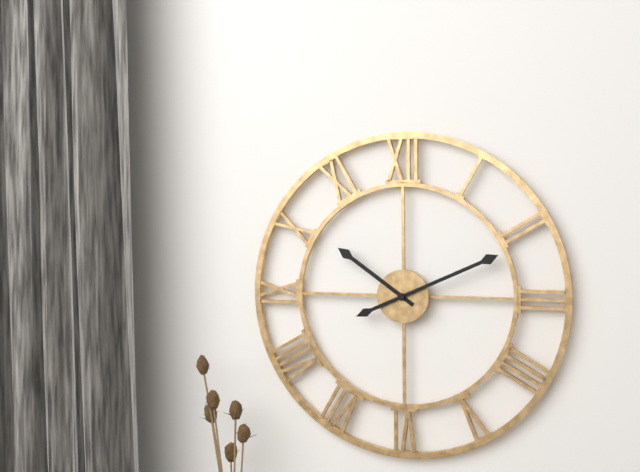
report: 10h11
